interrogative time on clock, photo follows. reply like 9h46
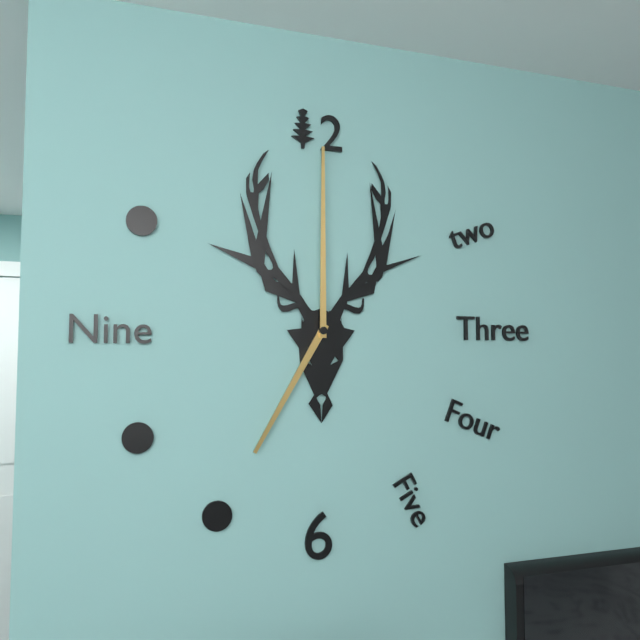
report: 7h00
